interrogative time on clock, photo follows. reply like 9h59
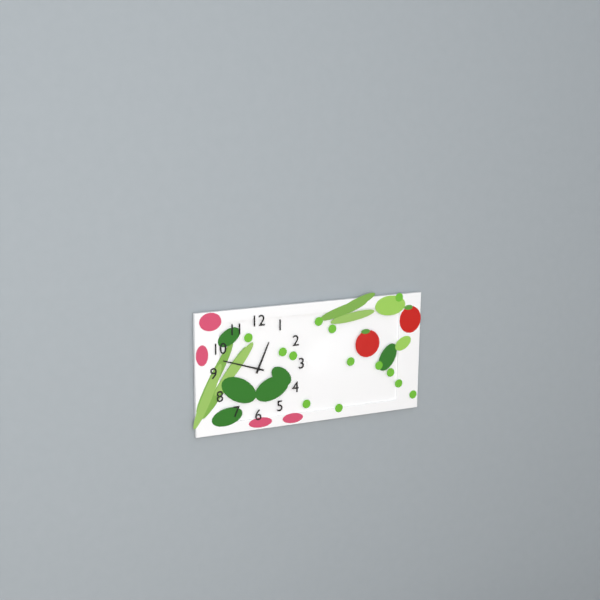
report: 12h48
